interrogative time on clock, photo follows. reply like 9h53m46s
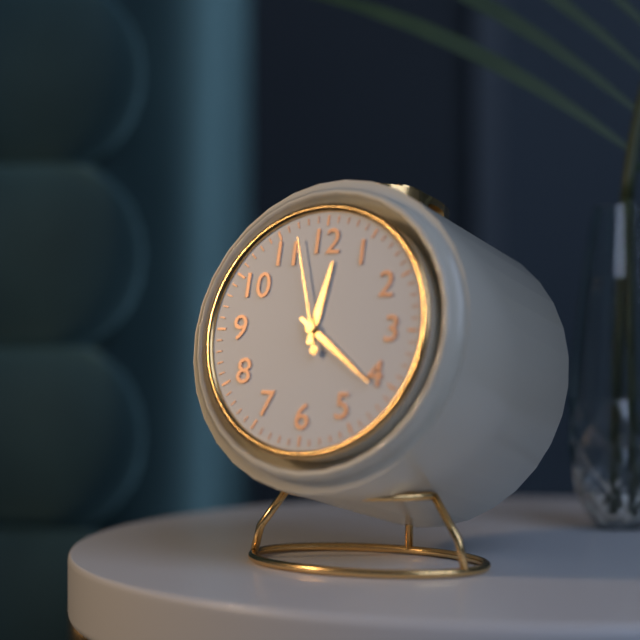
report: 12h21m57s
